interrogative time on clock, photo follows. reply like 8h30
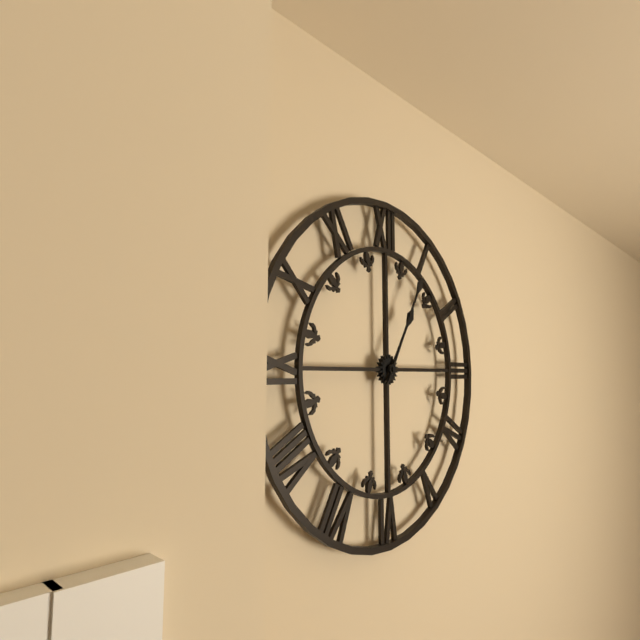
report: 1h05
